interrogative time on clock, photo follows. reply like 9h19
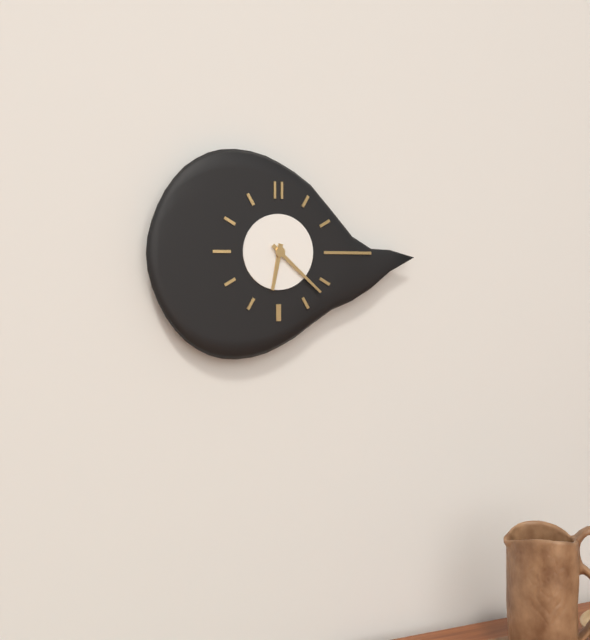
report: 6h22
